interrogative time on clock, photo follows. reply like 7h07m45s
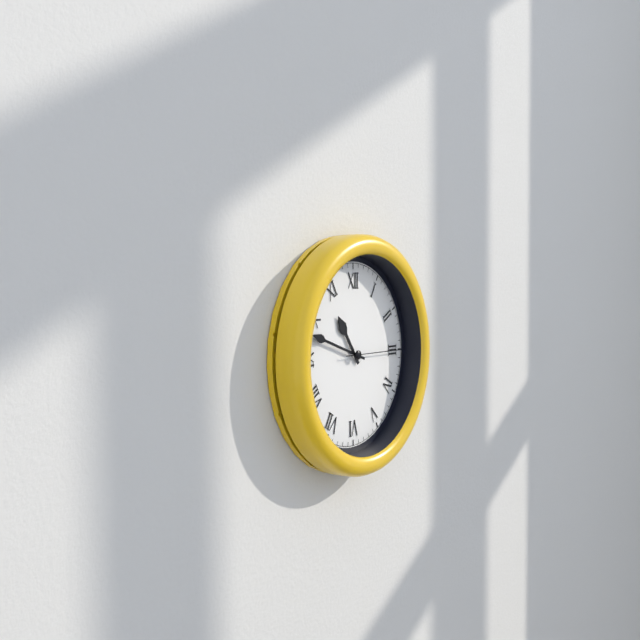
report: 10h48m15s
